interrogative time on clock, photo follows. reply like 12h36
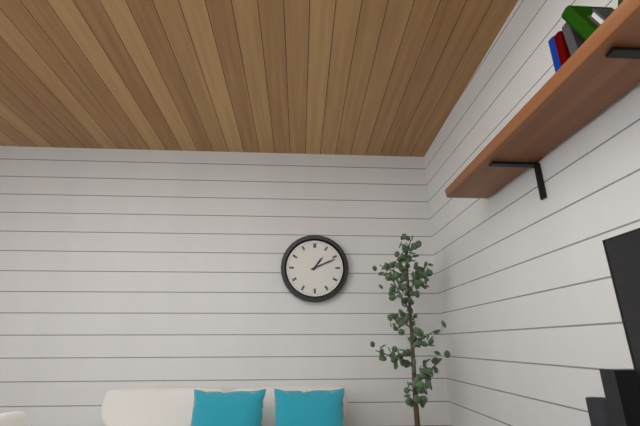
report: 1h11
